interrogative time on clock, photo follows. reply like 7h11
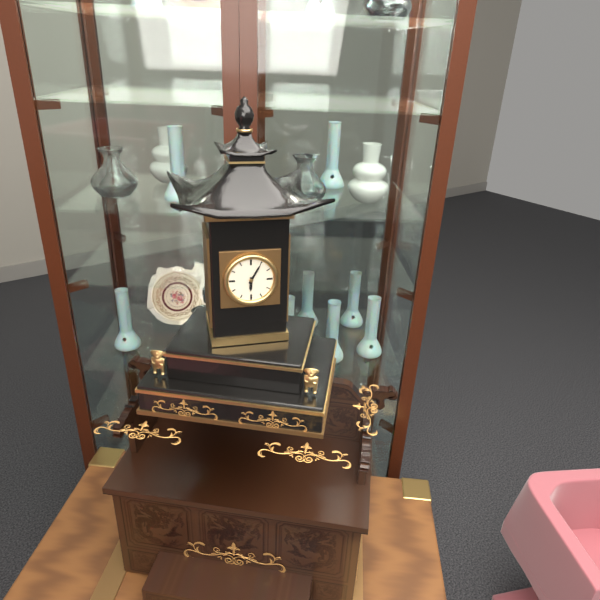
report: 6h05
